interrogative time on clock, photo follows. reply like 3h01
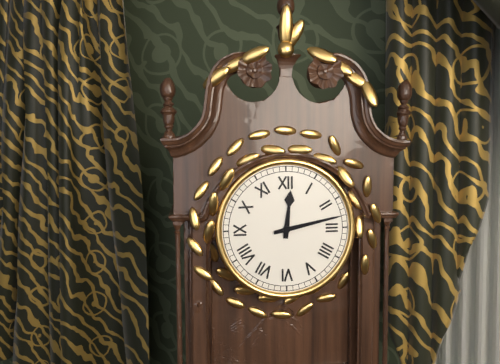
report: 12h13
